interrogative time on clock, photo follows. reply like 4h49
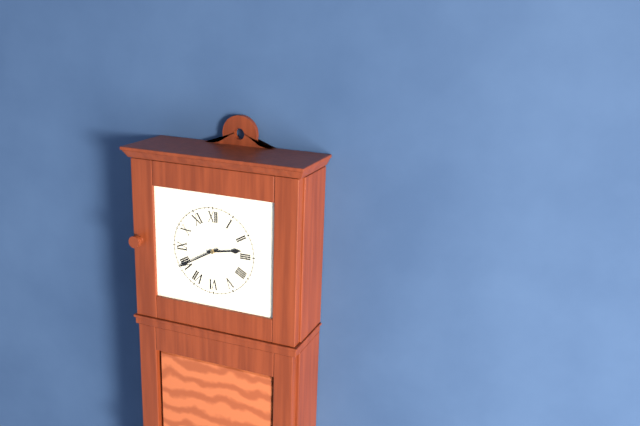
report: 2h40
